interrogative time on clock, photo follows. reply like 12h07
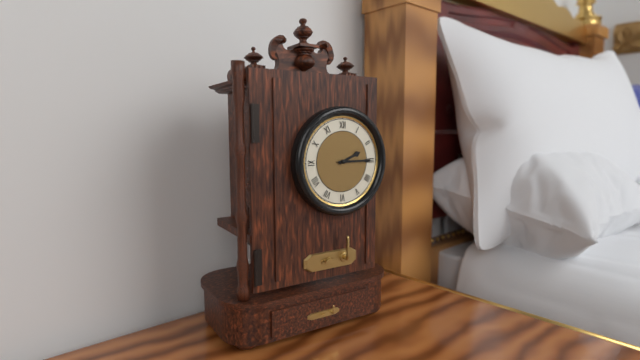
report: 2h15
